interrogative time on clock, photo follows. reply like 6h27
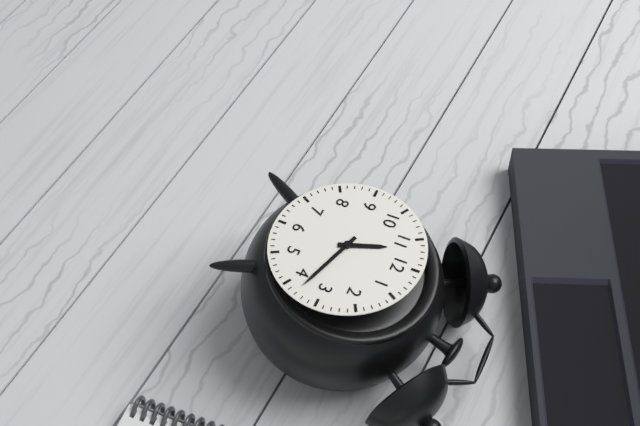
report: 11h18
